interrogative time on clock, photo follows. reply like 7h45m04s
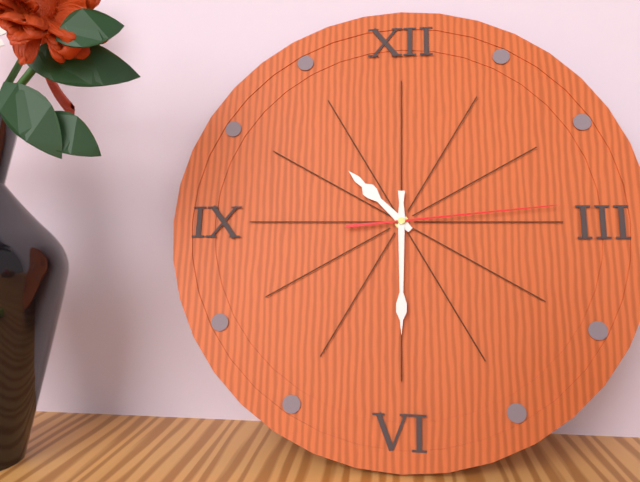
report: 10h30m14s
